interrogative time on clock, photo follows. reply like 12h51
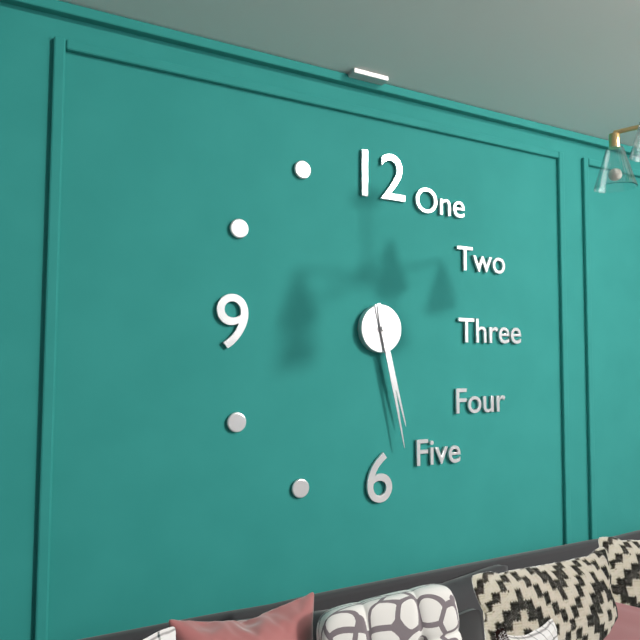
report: 5h28
